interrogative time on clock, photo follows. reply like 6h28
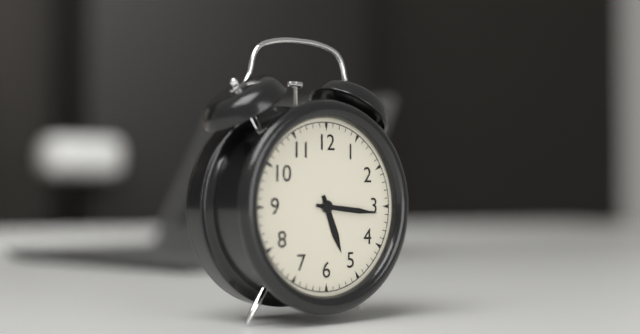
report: 5h16
